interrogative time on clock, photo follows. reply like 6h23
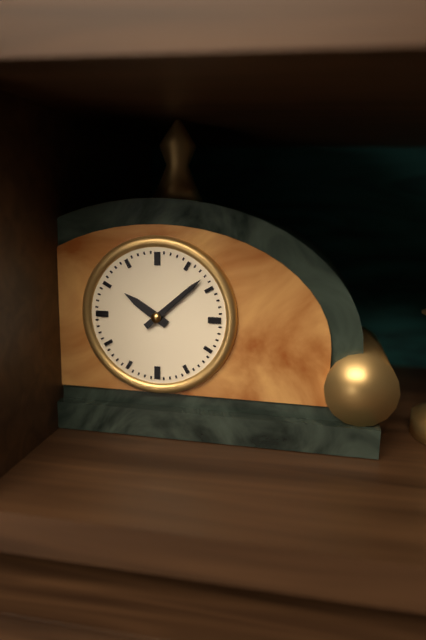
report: 10h08
